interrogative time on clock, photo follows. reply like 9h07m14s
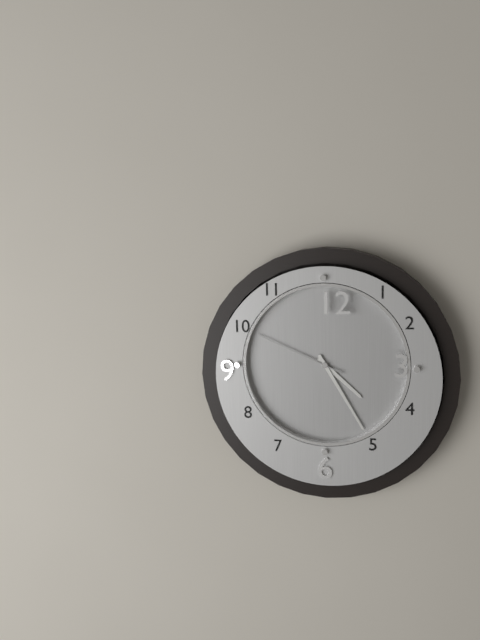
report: 4h25m49s
